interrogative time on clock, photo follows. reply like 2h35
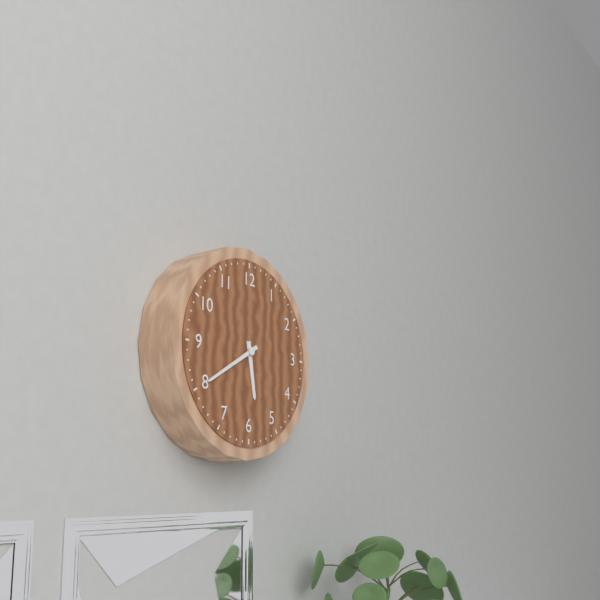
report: 5h40
